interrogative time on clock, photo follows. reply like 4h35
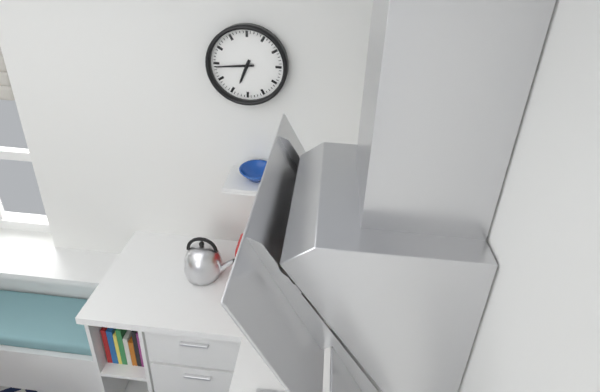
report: 6h44
